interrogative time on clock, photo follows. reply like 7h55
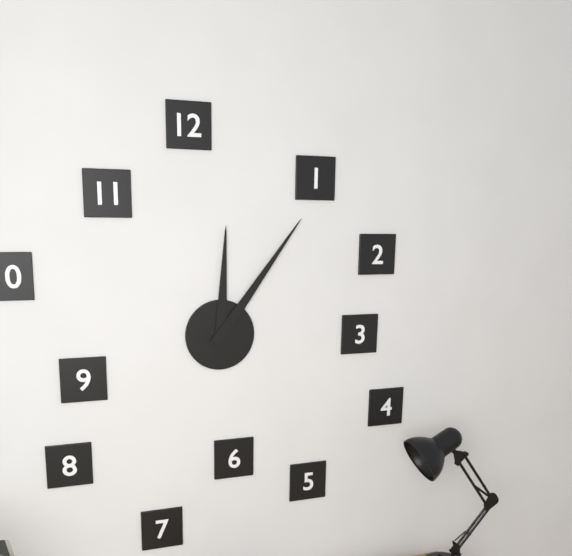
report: 12h06
